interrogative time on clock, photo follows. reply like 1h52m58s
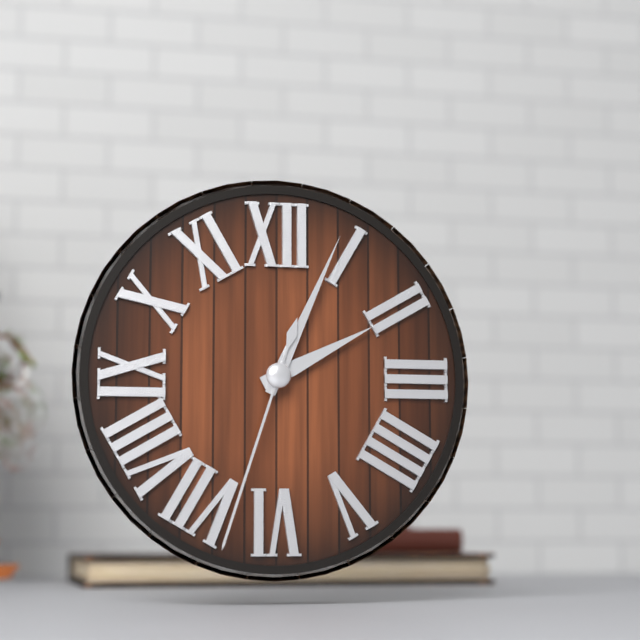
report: 2h04m33s
